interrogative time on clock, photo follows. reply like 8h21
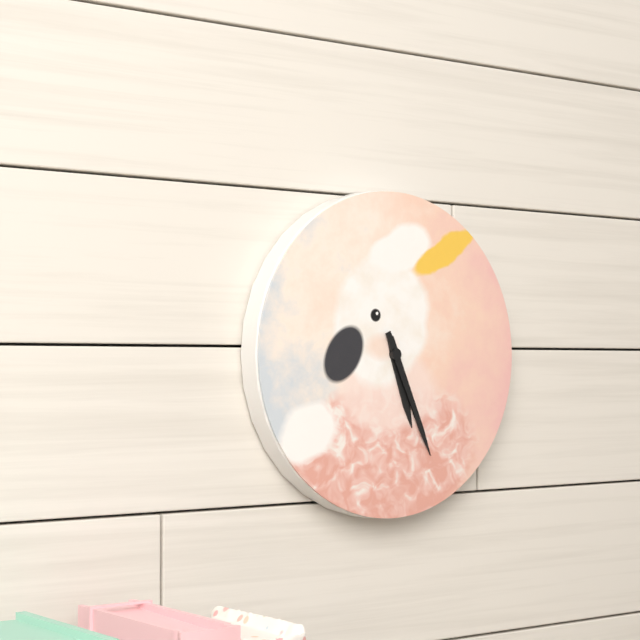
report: 5h26
